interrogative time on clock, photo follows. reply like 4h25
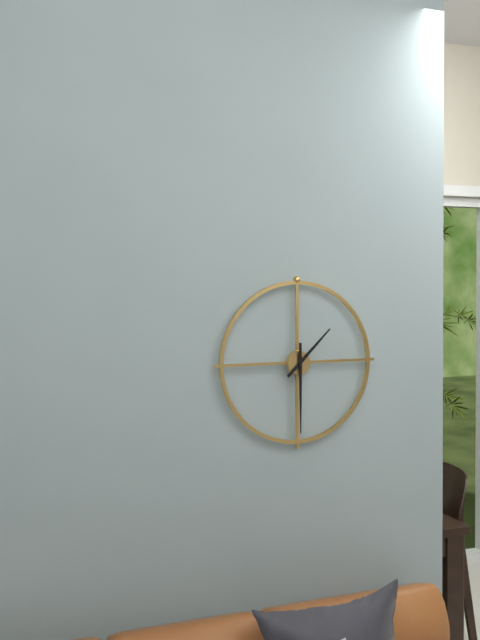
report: 1h30
